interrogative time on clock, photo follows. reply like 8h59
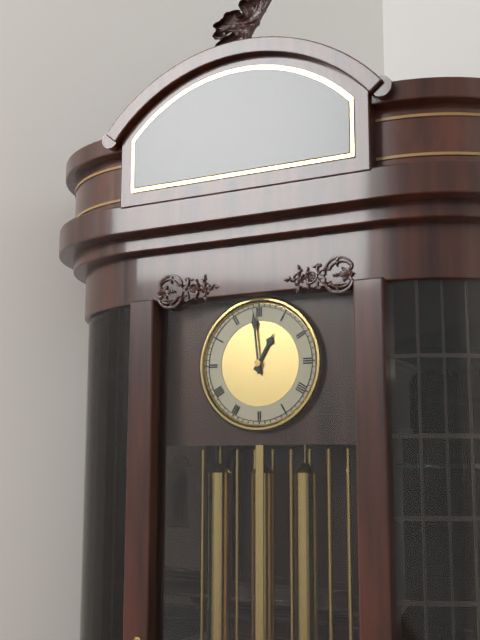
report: 12h59
